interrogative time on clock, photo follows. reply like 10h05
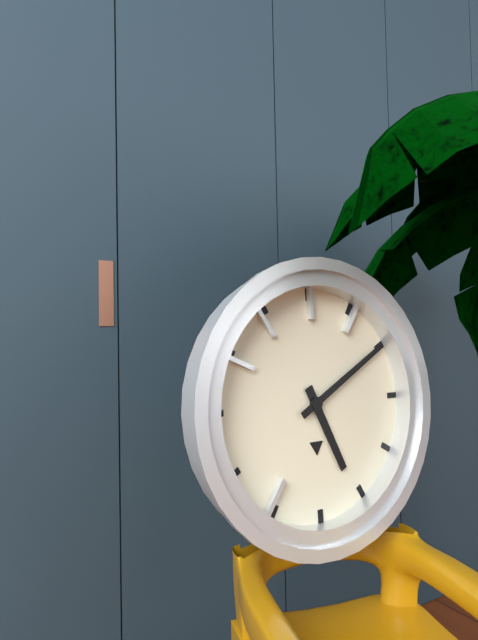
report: 5h10
